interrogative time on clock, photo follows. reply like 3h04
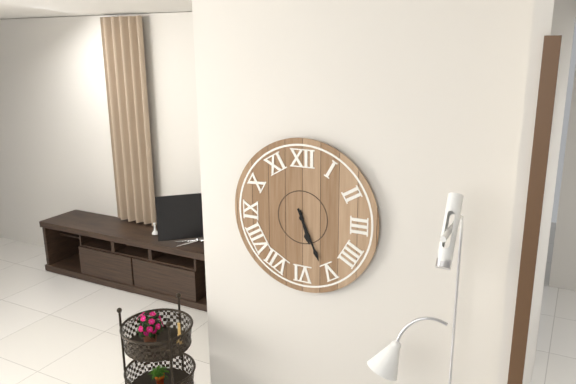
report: 5h26
